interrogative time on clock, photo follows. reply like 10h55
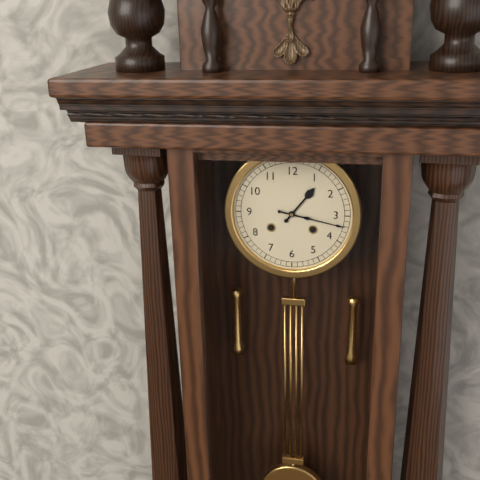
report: 1h17
